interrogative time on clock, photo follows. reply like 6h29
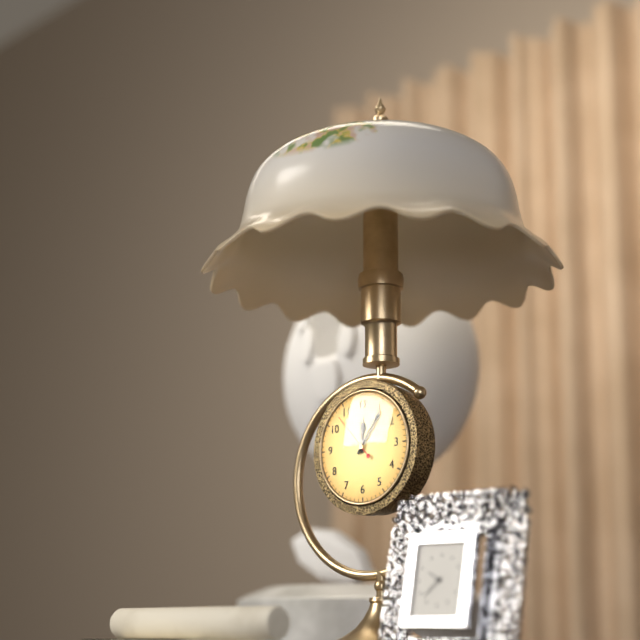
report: 12h06
